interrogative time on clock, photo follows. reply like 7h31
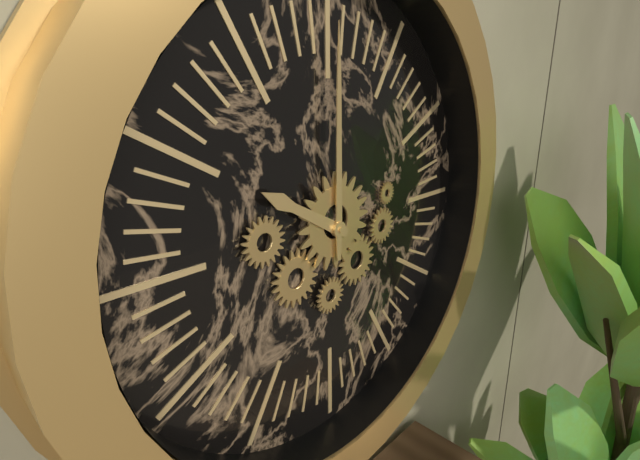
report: 10h00
